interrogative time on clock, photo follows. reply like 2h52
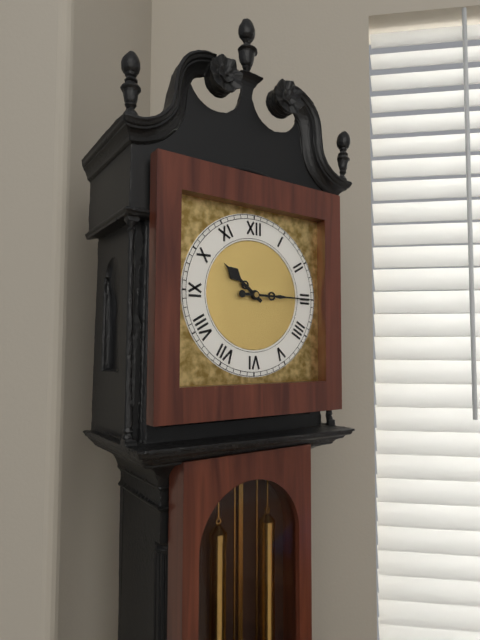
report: 10h15
